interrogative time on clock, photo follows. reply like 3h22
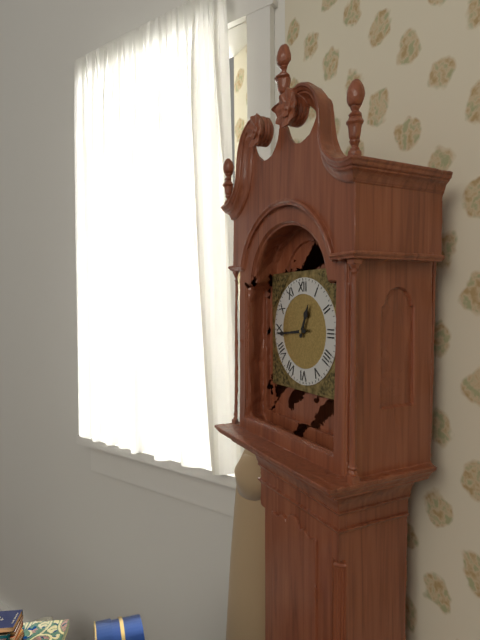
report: 12h44
